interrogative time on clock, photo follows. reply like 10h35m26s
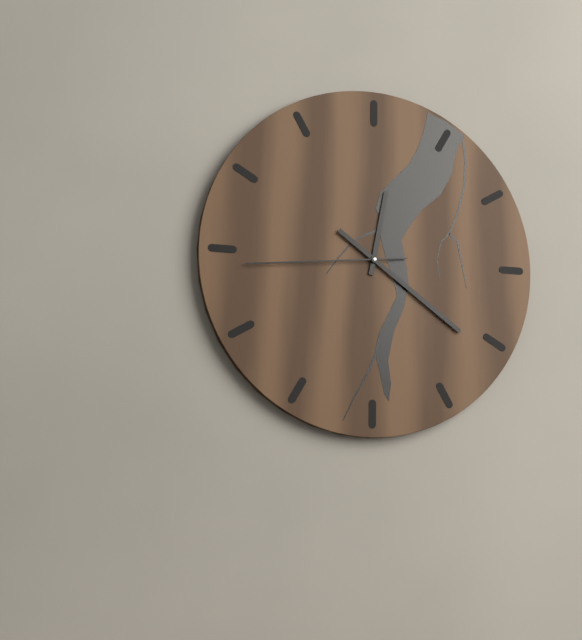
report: 12h21m44s
